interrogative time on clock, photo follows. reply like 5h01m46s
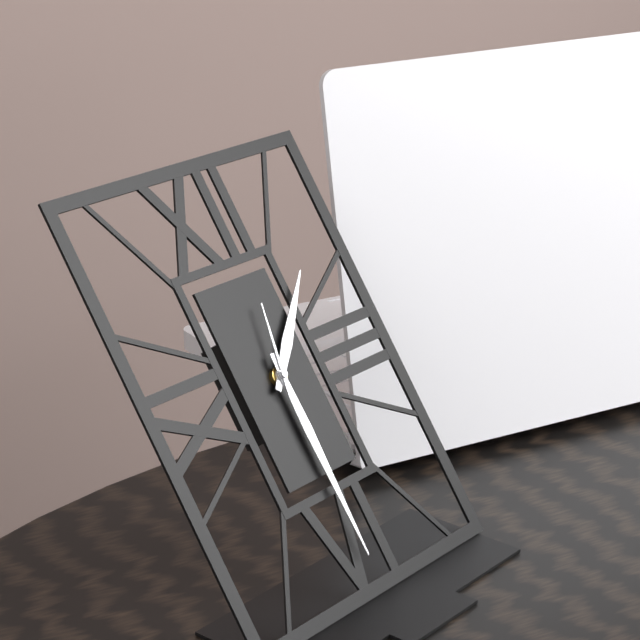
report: 1h30m02s
